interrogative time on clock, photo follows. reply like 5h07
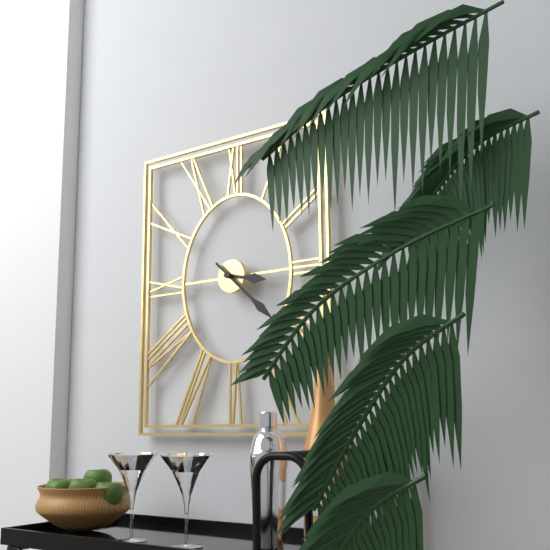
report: 3h22
